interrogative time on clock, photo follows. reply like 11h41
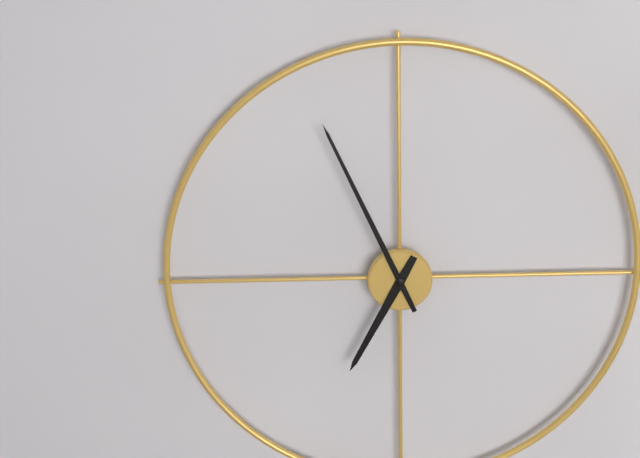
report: 6h56
